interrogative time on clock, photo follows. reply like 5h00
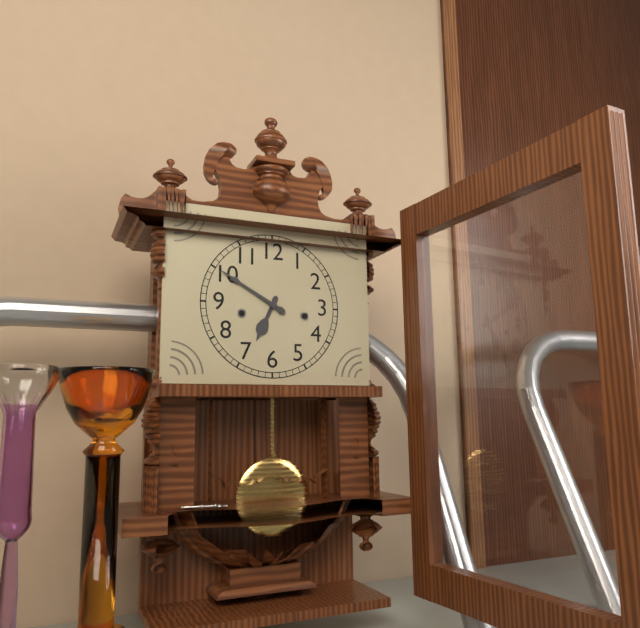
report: 6h50
